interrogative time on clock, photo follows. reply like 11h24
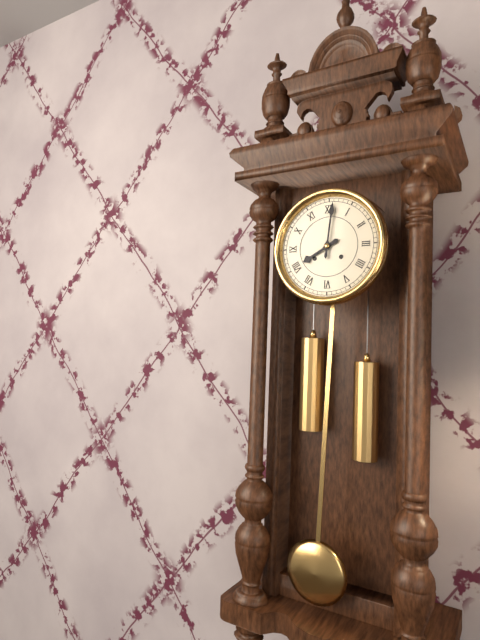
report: 8h01
